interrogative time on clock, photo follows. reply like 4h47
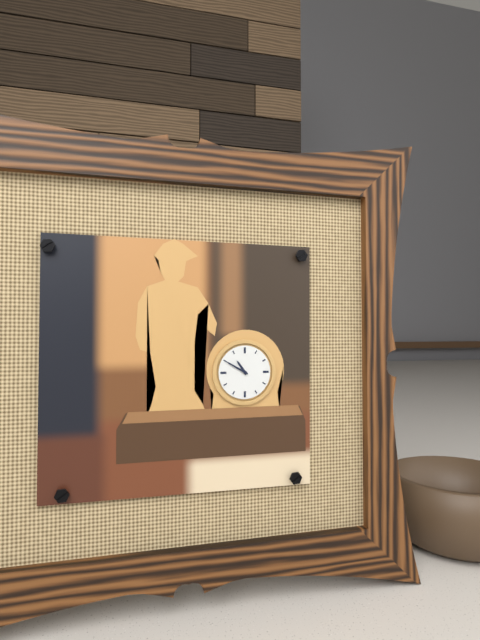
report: 10h50
